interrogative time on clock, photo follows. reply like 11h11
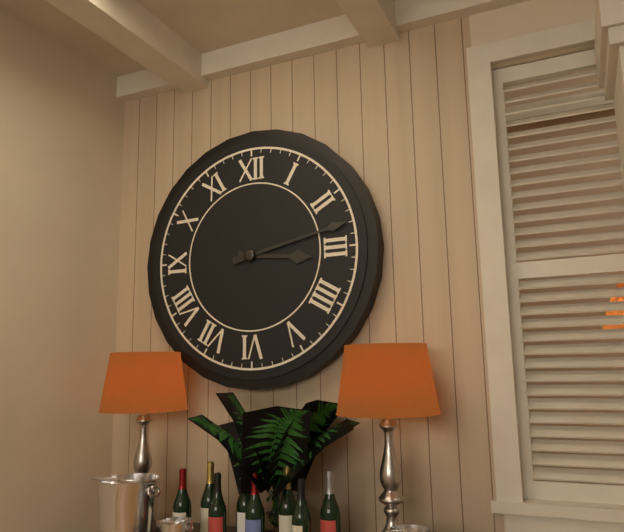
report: 3h13
